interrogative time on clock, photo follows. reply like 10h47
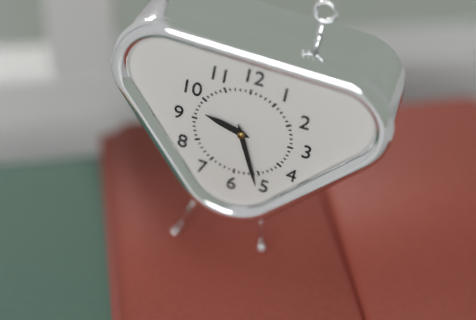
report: 9h26
